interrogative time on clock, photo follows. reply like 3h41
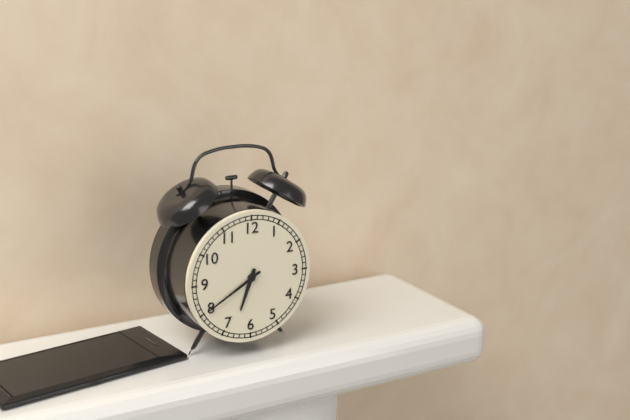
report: 6h40
